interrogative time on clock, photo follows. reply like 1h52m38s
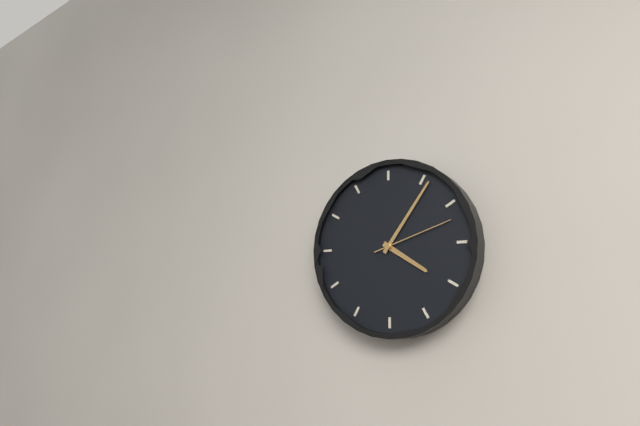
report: 4h06m12s
